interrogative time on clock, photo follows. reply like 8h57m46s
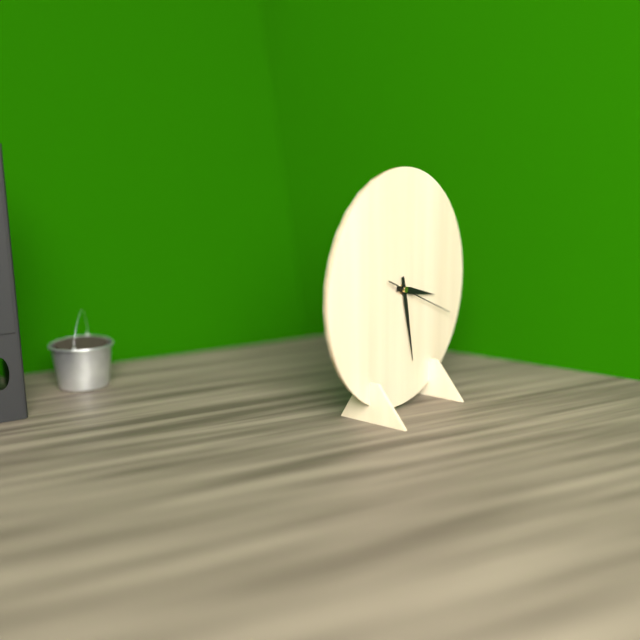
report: 3h28m19s
